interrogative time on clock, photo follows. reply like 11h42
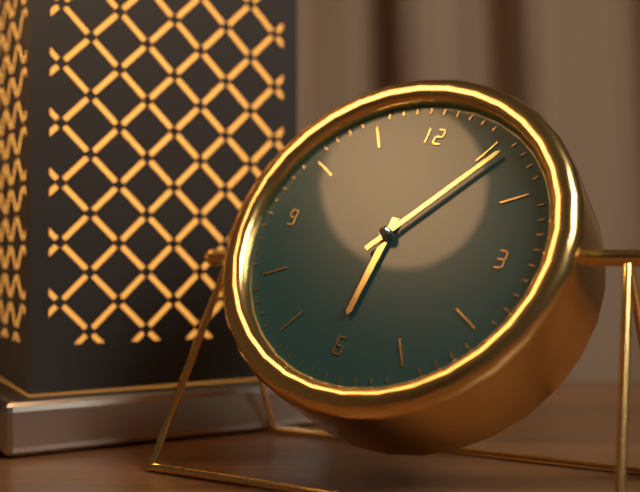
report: 6h06
